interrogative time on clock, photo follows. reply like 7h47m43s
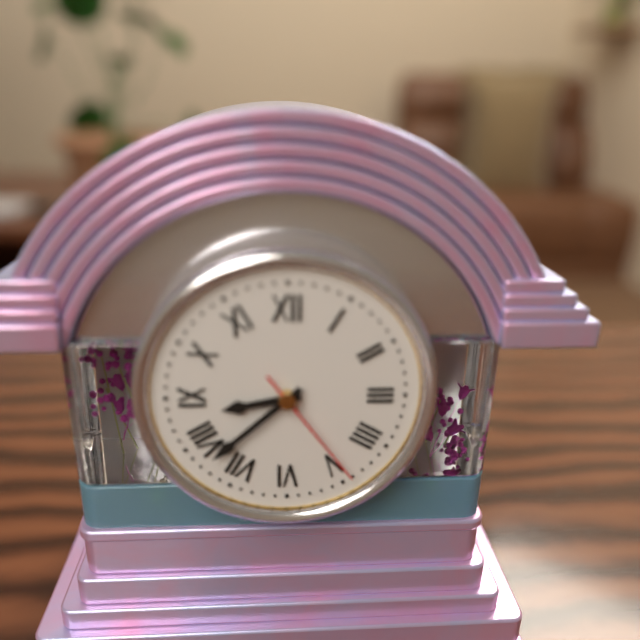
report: 8h38m24s
